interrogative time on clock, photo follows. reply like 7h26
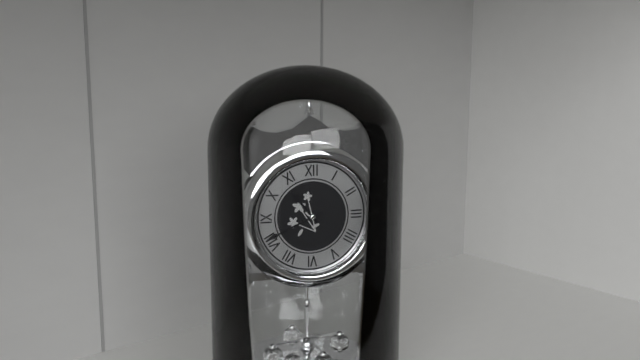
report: 10h41
